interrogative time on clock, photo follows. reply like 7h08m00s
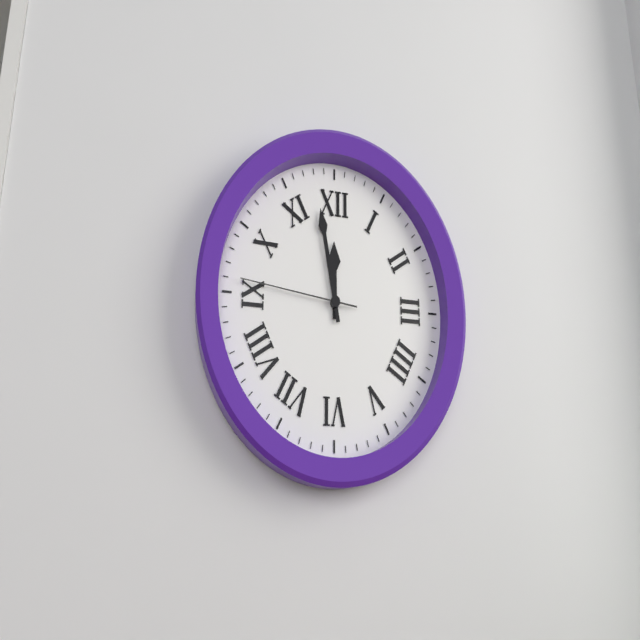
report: 11h58m46s
